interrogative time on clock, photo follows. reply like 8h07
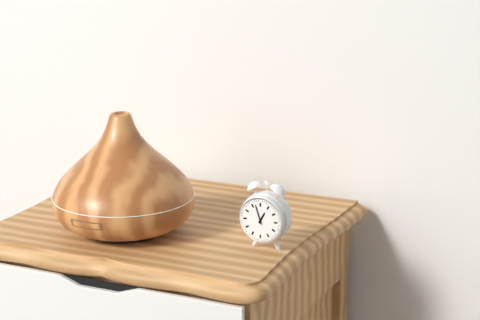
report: 12h57
